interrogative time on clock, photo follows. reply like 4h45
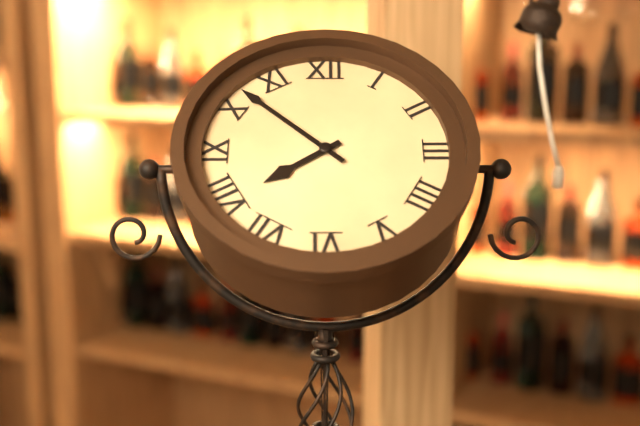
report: 7h52
